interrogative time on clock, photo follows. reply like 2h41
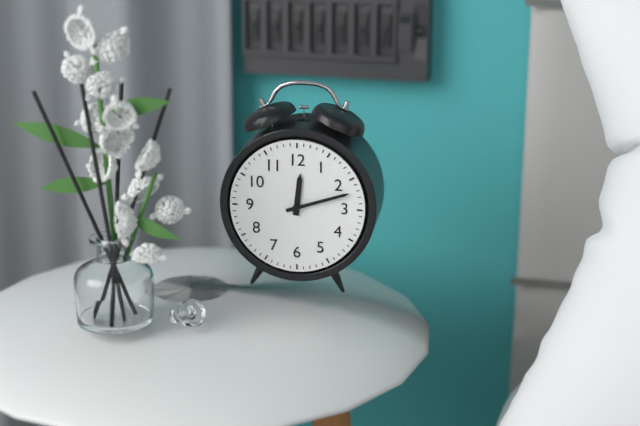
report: 12h12
